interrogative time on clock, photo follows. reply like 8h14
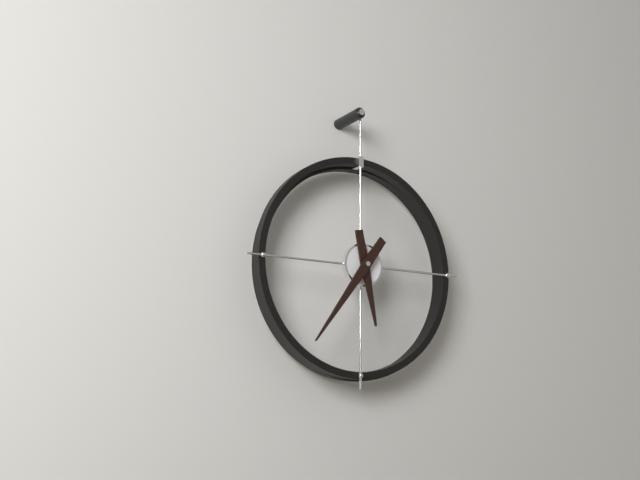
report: 5h36
